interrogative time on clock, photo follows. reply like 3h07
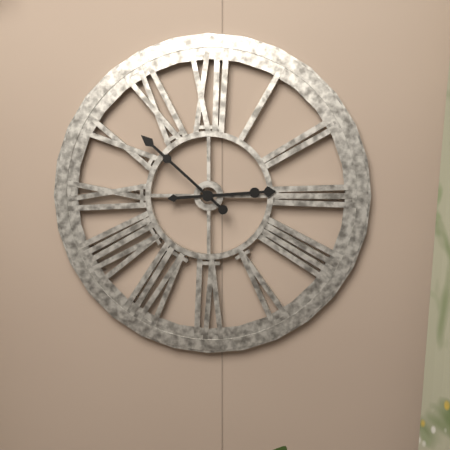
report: 2h52
